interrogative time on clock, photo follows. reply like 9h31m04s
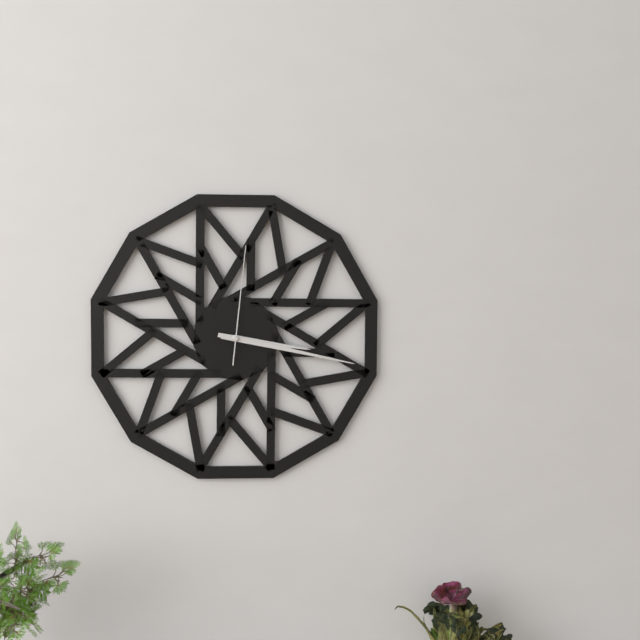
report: 3h17m01s
